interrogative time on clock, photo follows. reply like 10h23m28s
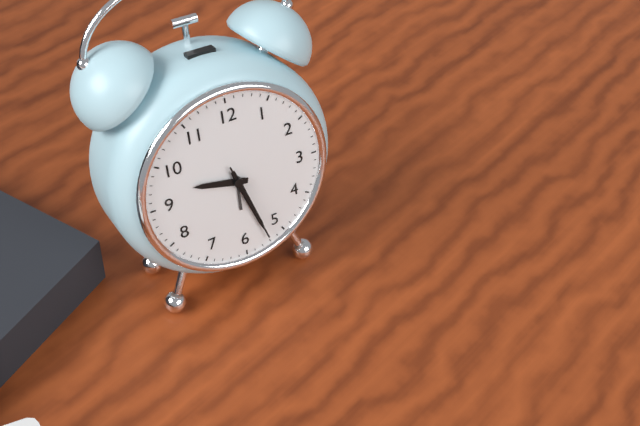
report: 9h27m27s
